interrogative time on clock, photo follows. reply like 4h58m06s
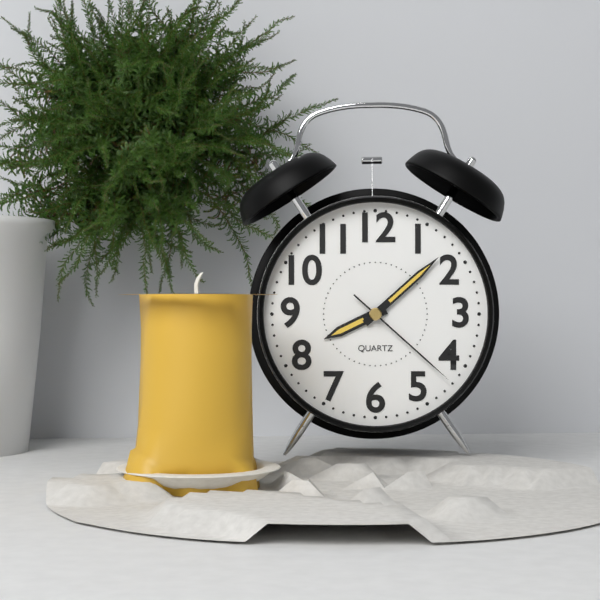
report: 8h08m22s
